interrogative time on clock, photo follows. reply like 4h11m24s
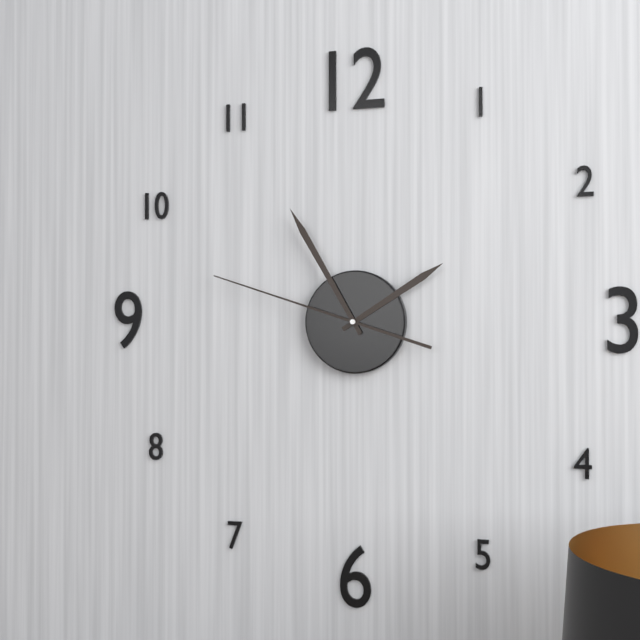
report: 1h55m48s
